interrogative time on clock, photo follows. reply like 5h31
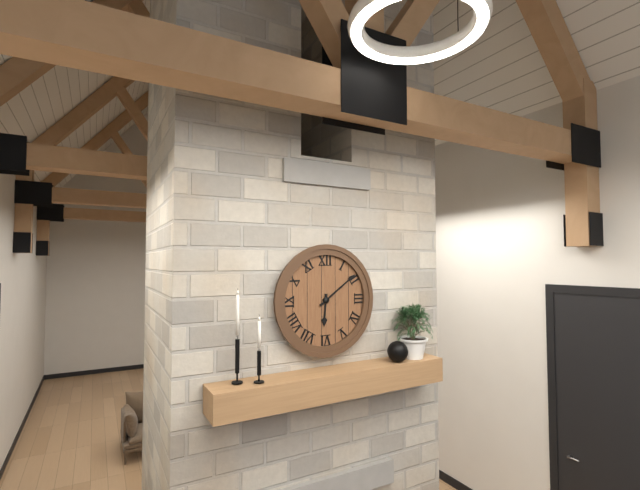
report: 6h09
